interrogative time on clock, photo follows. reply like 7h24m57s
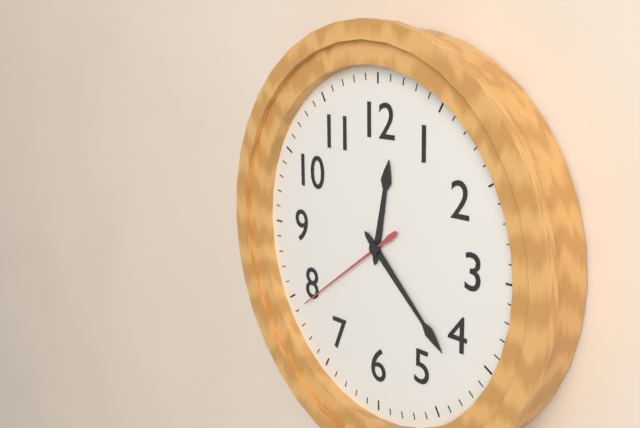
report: 12h22m39s
